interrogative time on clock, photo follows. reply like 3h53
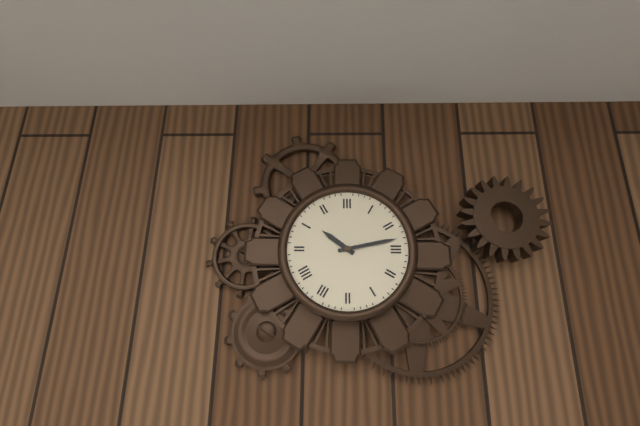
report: 10h13
